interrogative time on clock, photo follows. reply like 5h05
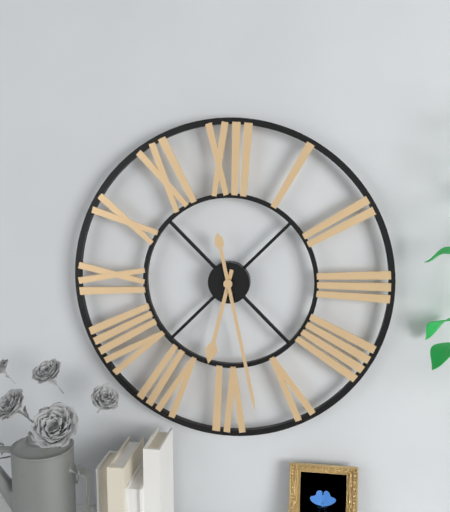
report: 6h28
